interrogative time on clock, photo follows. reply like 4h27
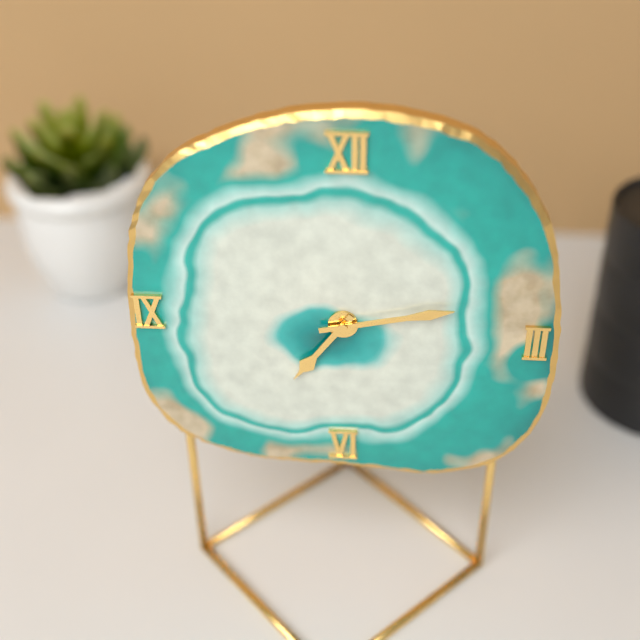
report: 7h13
